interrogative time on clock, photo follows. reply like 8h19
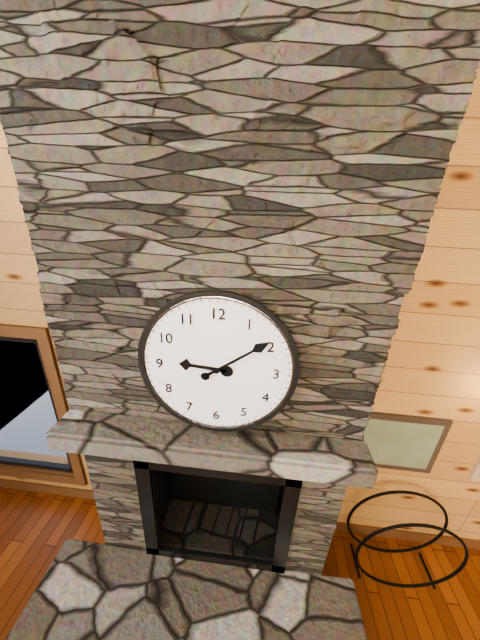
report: 9h09
